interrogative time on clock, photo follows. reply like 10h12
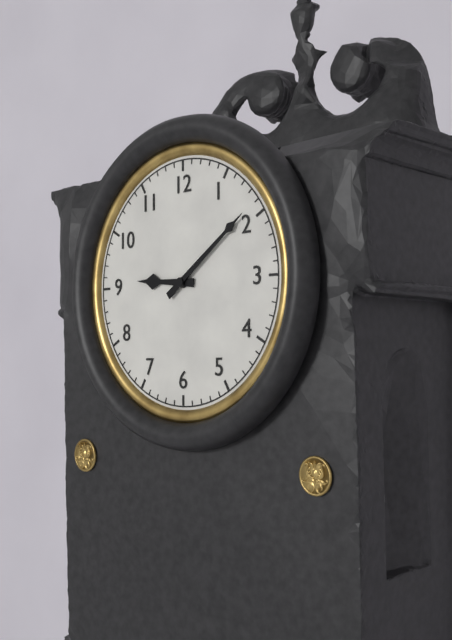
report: 9h09
